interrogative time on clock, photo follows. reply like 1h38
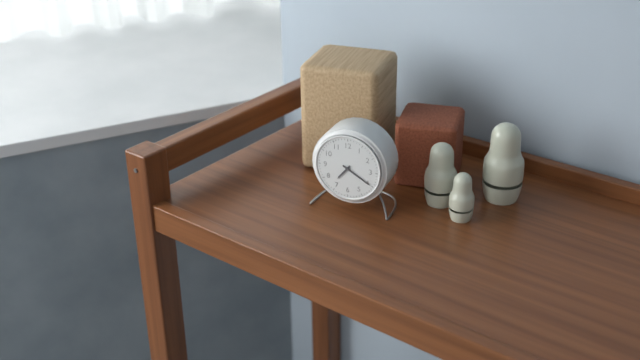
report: 7h20
